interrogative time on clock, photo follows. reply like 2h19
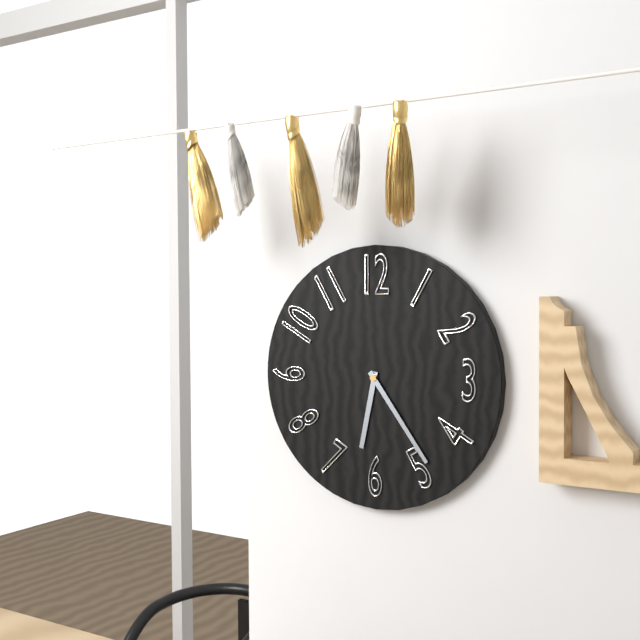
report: 6h24
